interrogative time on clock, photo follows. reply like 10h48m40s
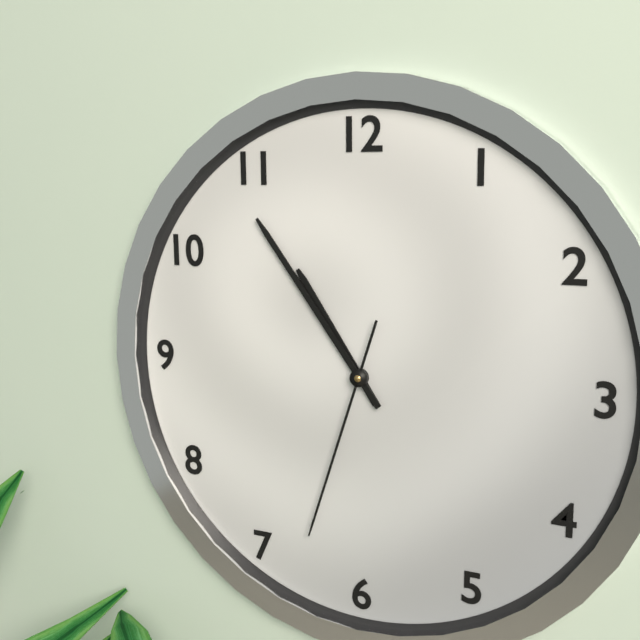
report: 10h54m33s
